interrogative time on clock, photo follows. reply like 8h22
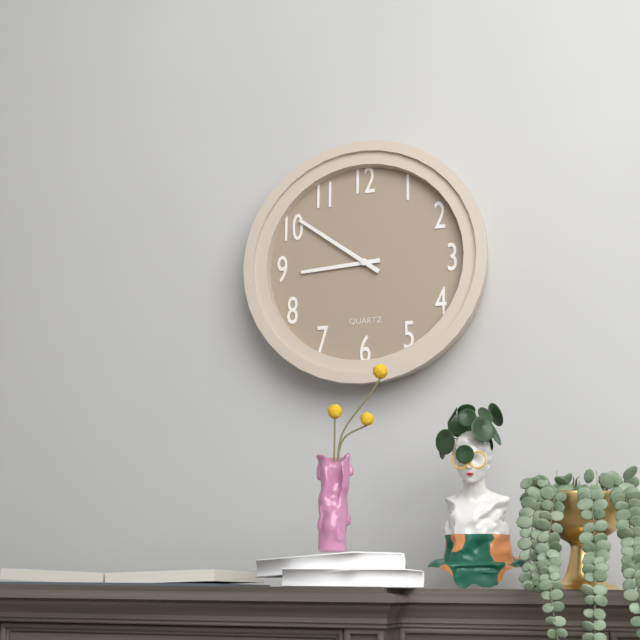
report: 8h51
